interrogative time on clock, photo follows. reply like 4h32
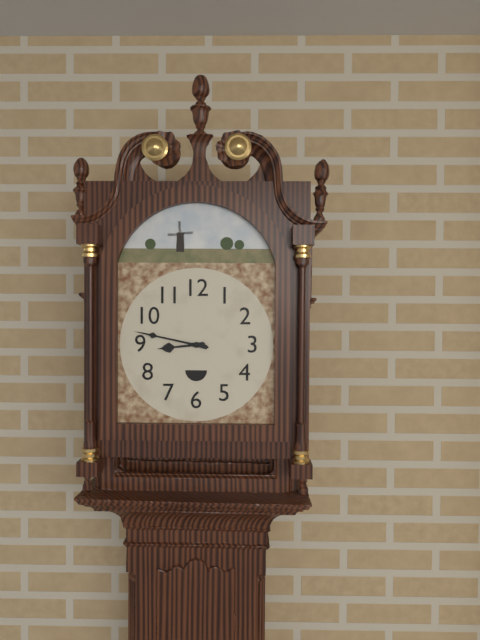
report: 8h47
